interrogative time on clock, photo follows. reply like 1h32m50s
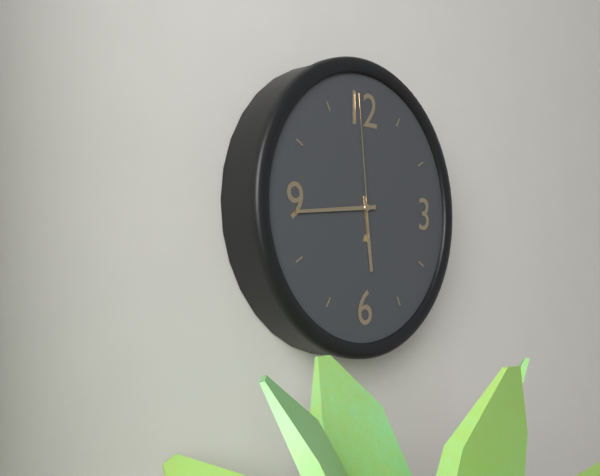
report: 5h44m59s
